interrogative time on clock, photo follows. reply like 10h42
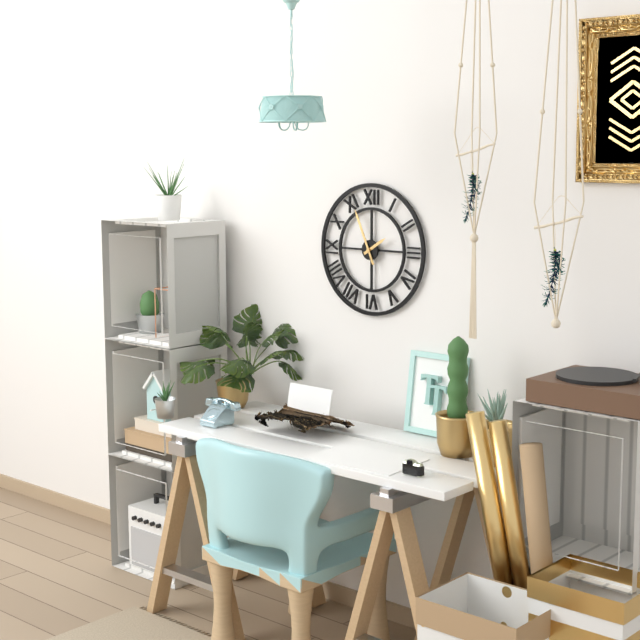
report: 1h56
